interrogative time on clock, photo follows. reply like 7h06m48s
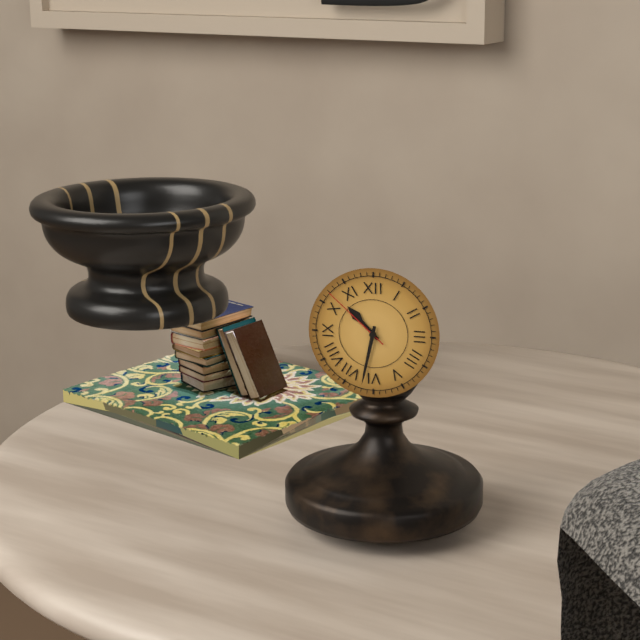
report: 10h32m52s
